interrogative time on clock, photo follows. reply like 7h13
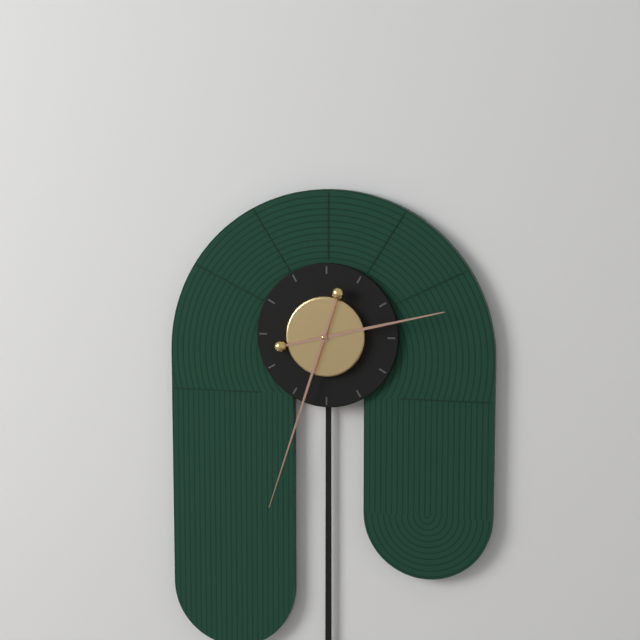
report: 2h33
